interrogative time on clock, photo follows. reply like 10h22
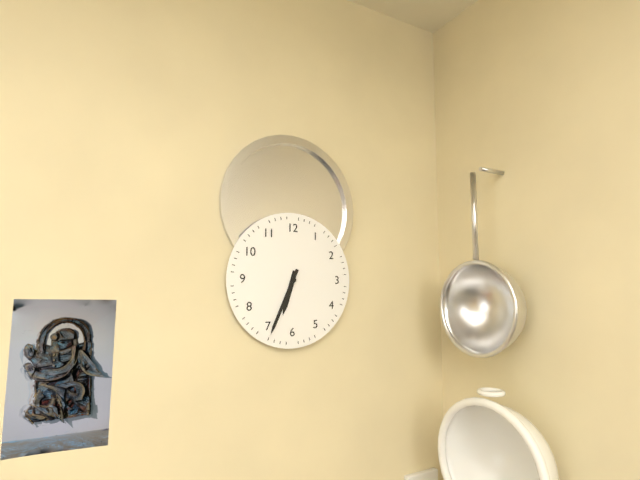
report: 6h34
